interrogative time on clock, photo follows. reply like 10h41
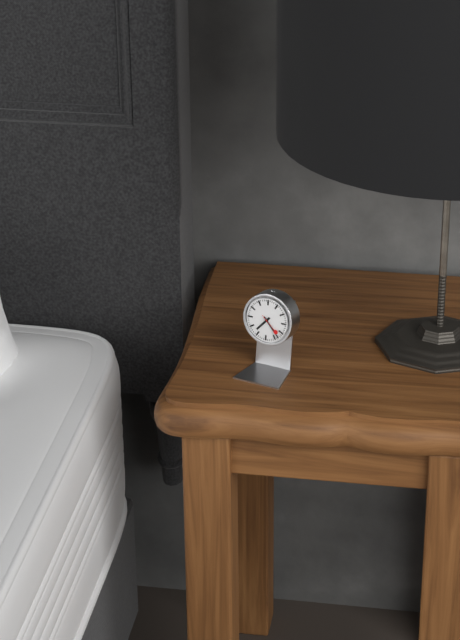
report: 7h23
